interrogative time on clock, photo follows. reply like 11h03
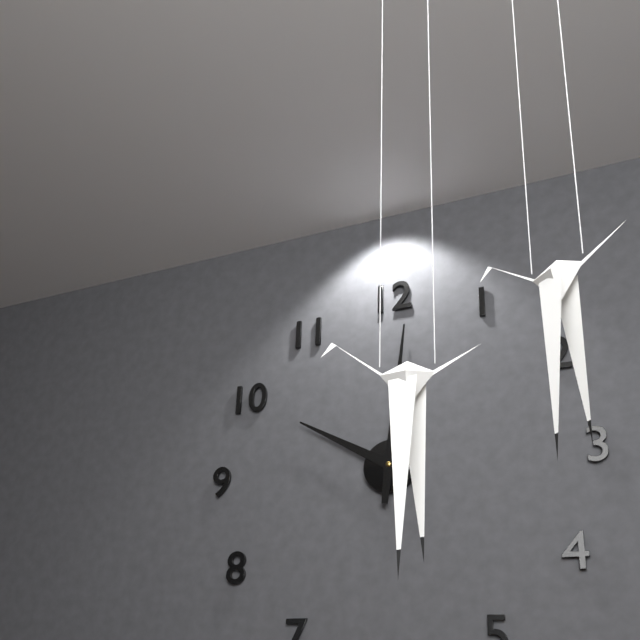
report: 10h01
